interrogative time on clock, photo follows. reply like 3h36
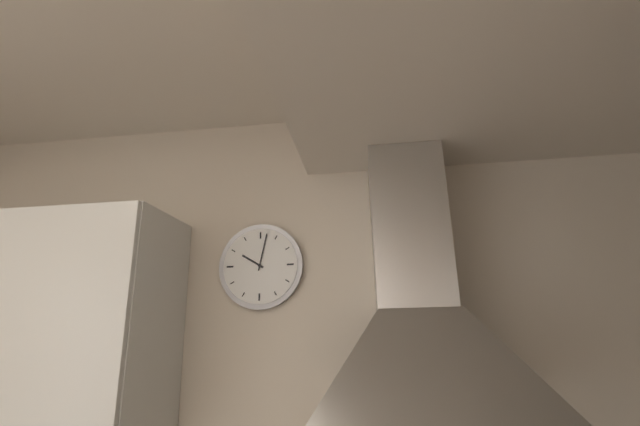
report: 10h02
